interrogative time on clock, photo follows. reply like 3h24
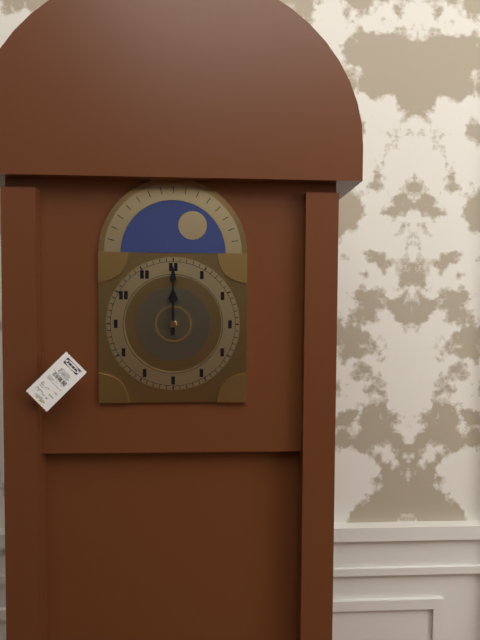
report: 12h00
